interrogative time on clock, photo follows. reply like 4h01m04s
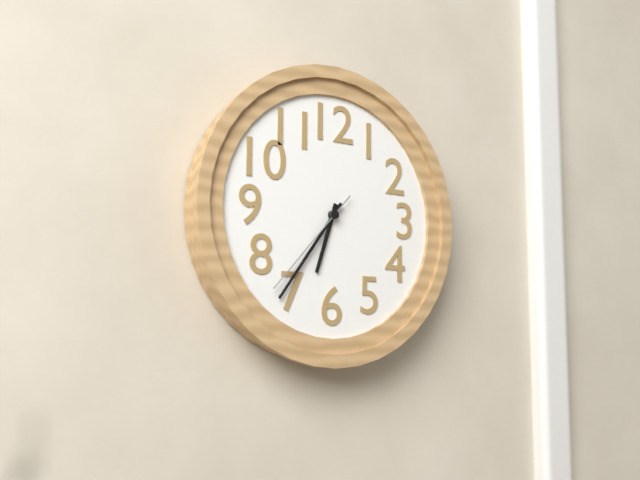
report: 6h36m37s
